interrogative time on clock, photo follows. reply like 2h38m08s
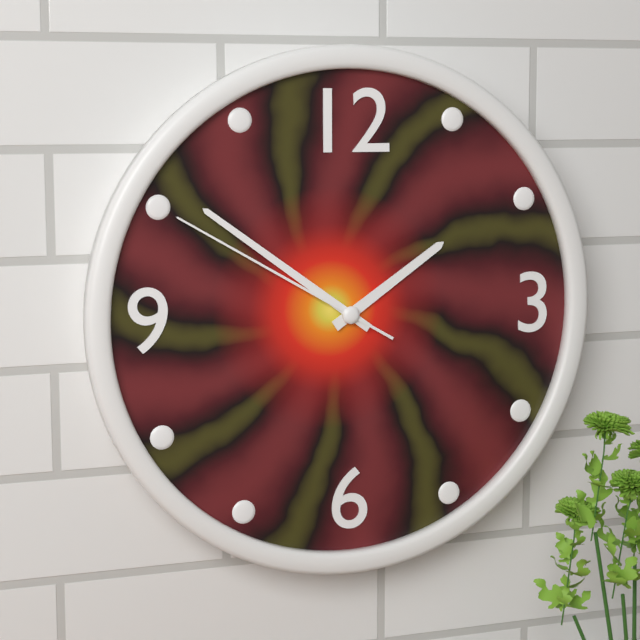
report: 1h51m50s
